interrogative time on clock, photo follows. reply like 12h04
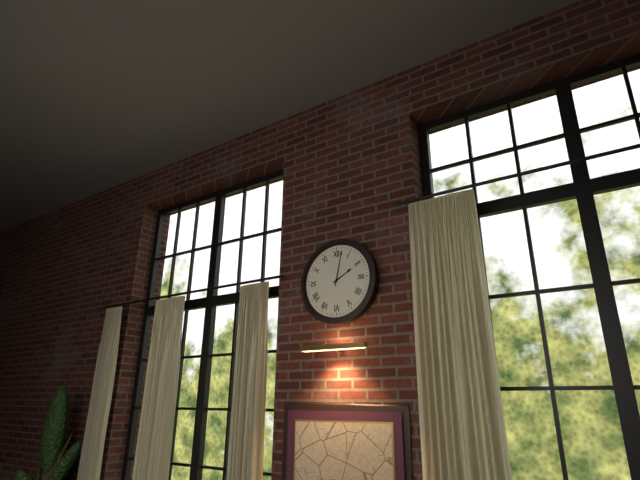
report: 2h02
